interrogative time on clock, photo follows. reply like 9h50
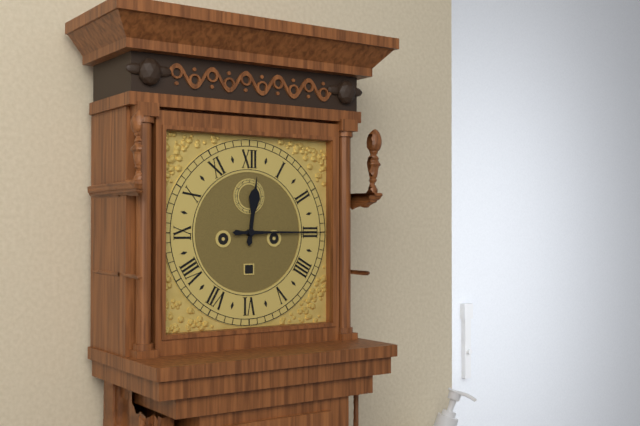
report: 12h15
